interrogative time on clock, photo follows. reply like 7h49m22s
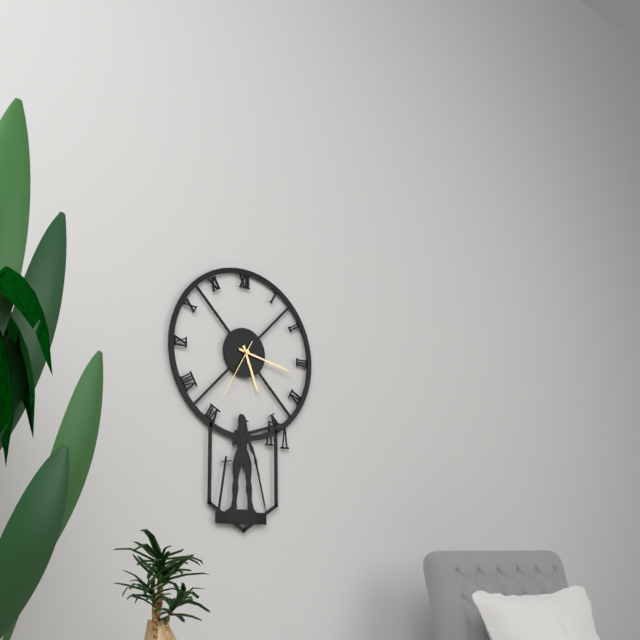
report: 5h17m35s
